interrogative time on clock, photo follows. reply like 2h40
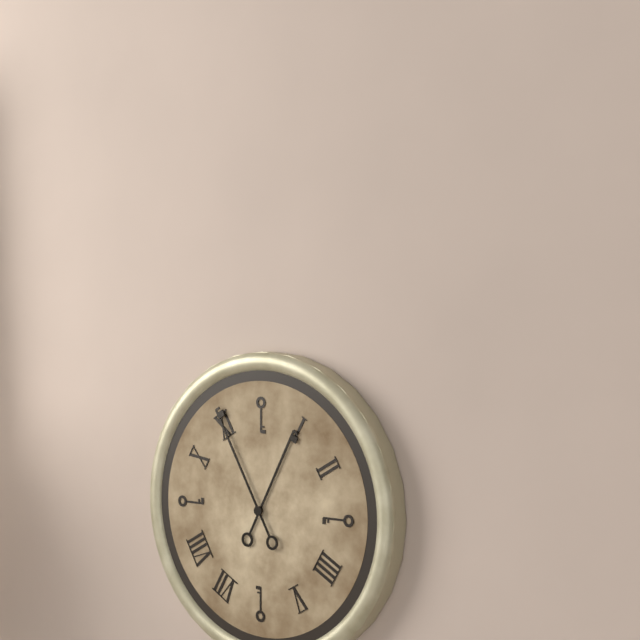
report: 12h55
